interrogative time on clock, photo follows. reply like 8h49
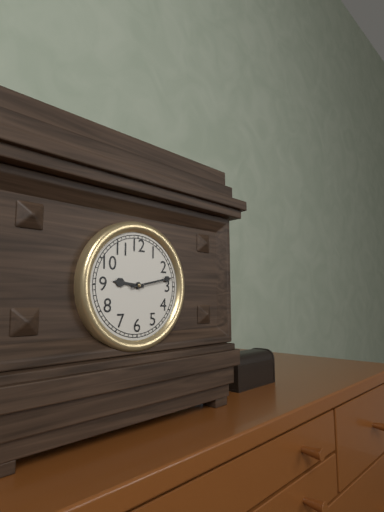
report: 9h13
